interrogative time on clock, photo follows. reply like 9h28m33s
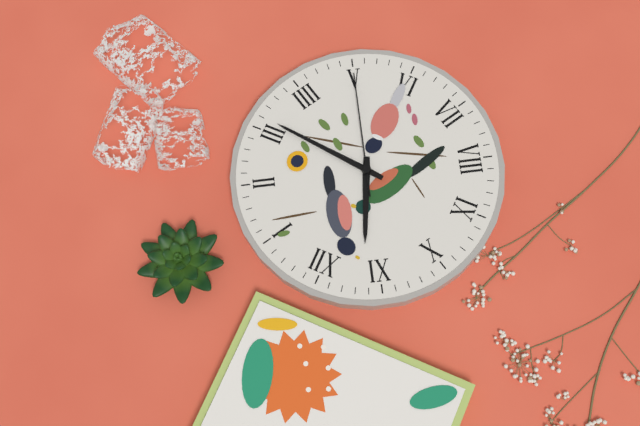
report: 11h16m25s
